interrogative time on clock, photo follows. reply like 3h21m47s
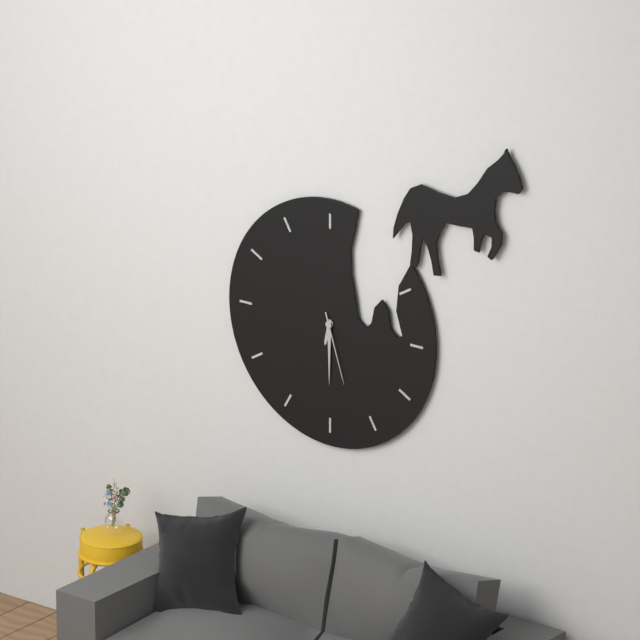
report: 6h30m27s
